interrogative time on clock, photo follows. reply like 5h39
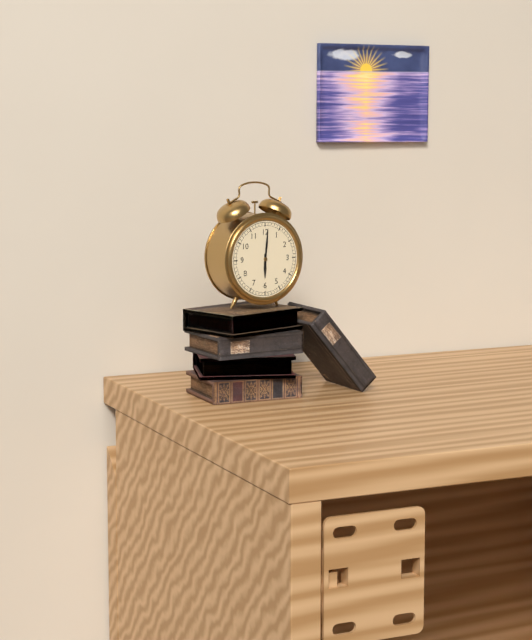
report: 6h01
